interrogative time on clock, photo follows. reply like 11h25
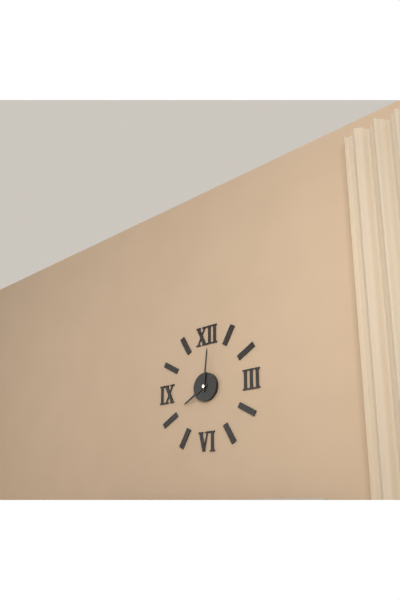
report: 8h01
